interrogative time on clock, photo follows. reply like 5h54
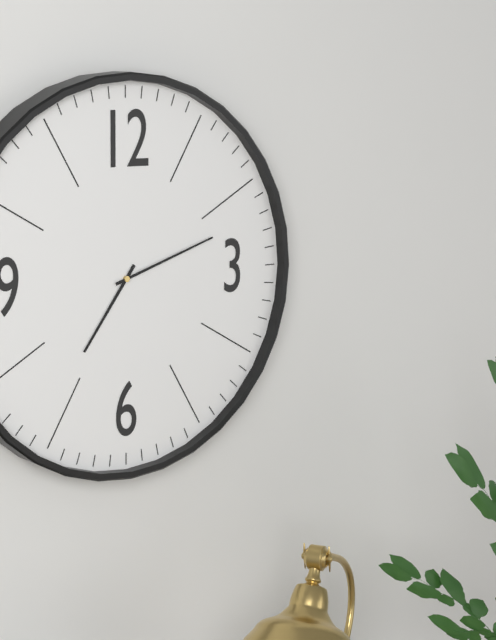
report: 7h12
